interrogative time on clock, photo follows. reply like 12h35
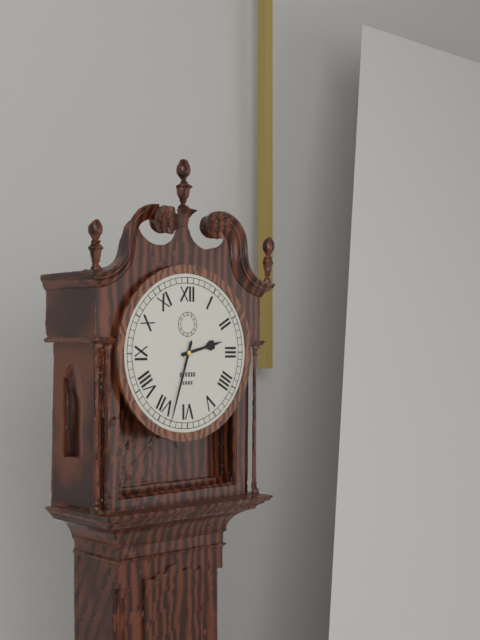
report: 2h33
